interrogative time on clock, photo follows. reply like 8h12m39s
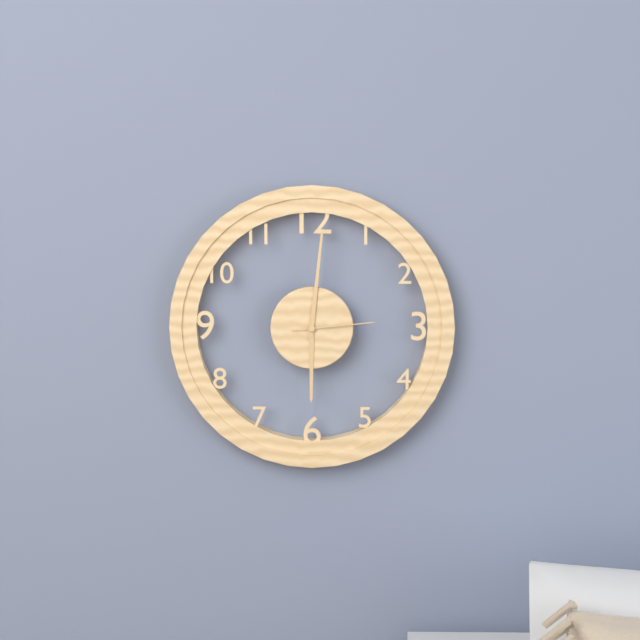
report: 6h01m14s
